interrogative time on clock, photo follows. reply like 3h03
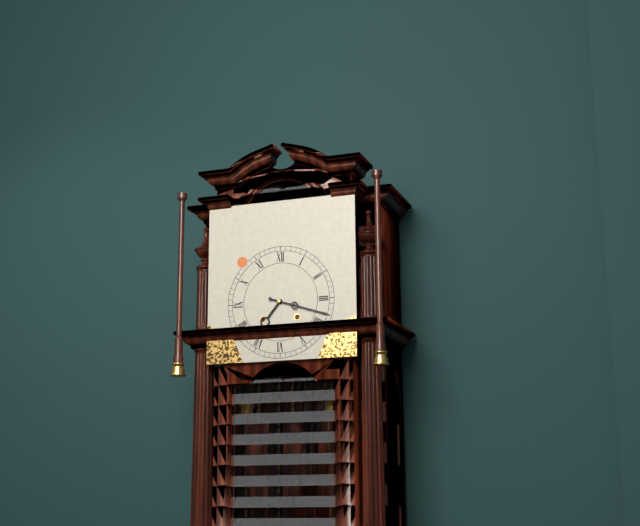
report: 7h18
